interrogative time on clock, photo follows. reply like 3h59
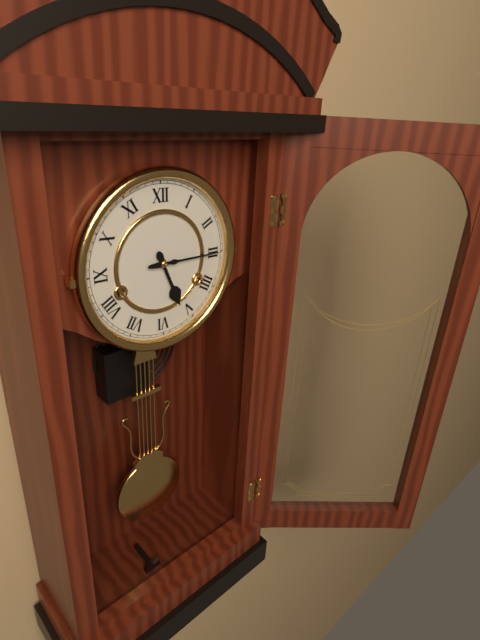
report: 5h15
